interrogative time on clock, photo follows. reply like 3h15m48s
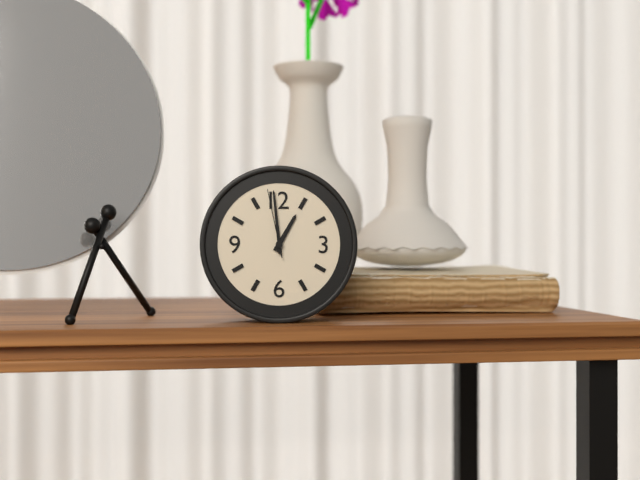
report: 12h59m58s
